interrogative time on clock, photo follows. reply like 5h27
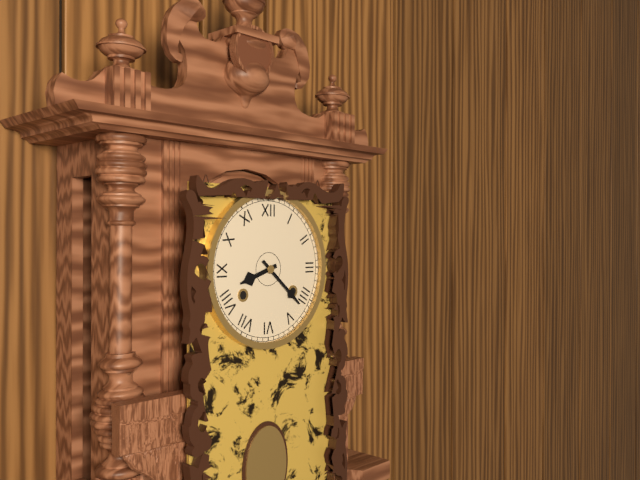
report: 8h22
